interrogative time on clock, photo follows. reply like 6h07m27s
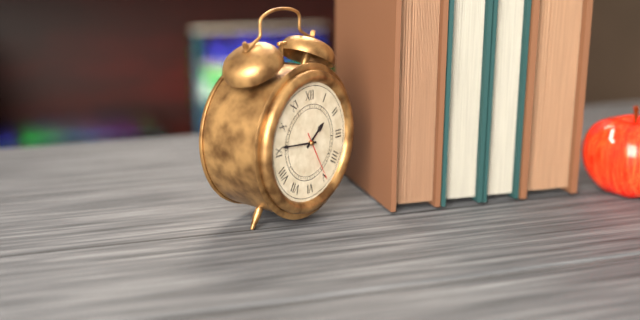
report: 1h46m25s
